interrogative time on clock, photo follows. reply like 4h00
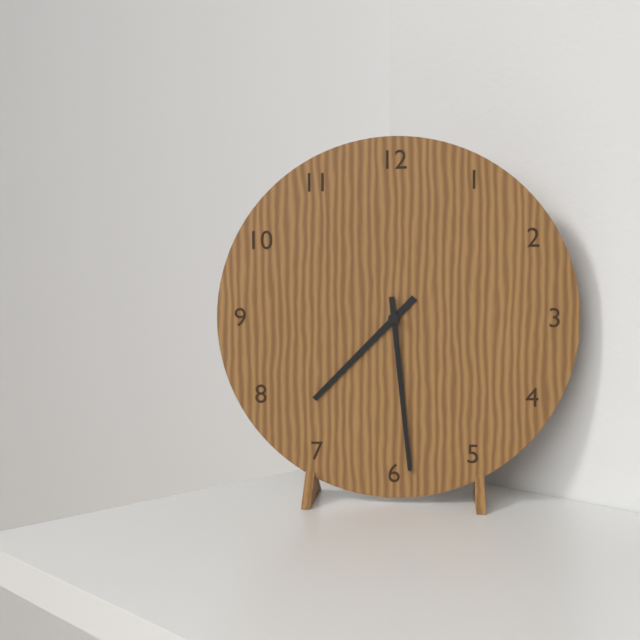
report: 7h29
